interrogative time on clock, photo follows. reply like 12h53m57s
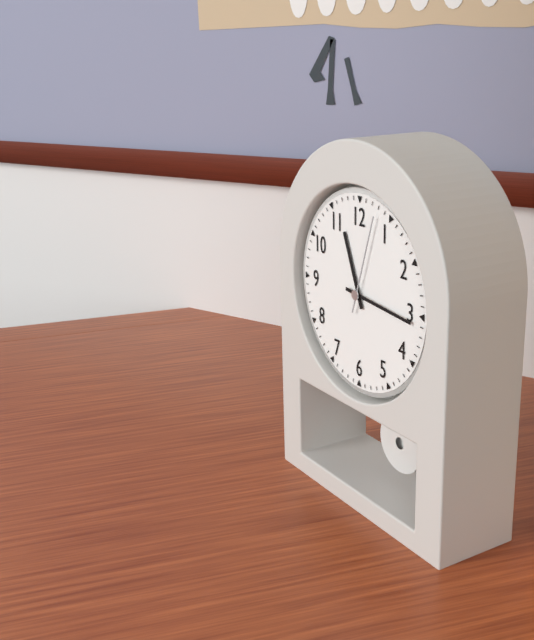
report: 11h16m03s
